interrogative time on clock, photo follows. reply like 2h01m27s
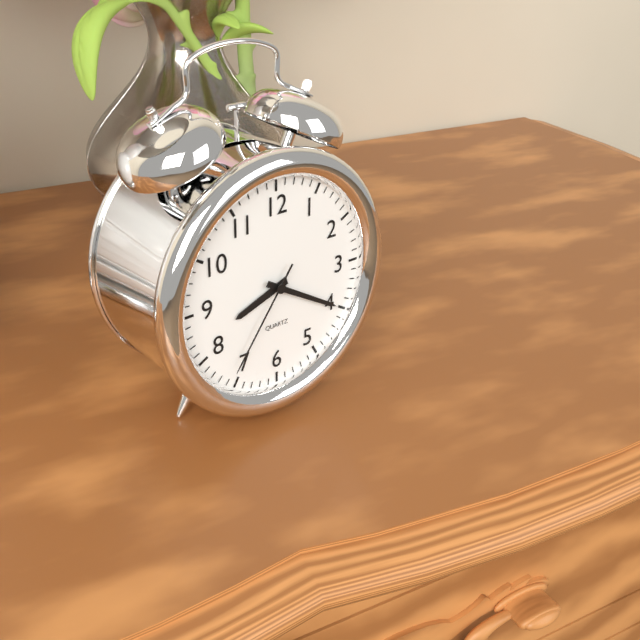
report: 8h20m36s
